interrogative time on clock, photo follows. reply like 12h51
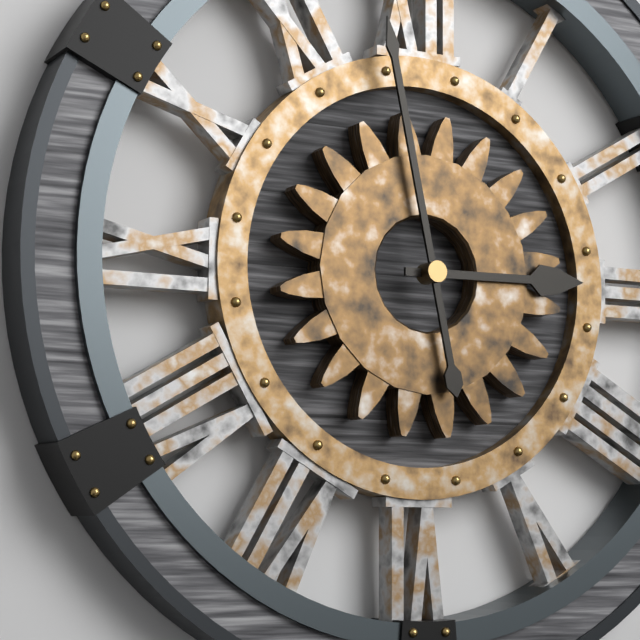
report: 2h58
